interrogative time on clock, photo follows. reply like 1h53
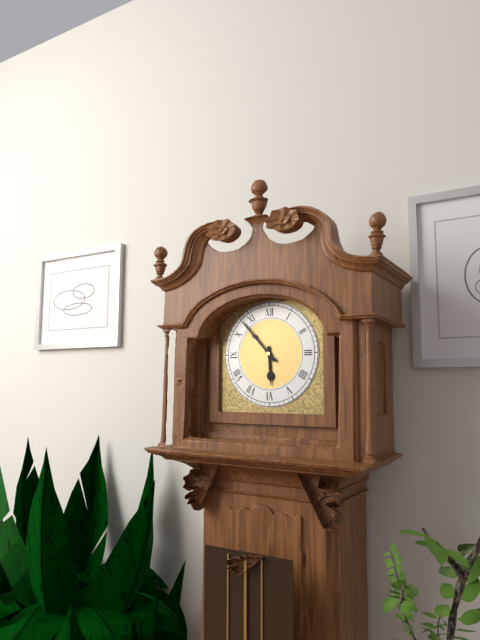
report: 5h53
